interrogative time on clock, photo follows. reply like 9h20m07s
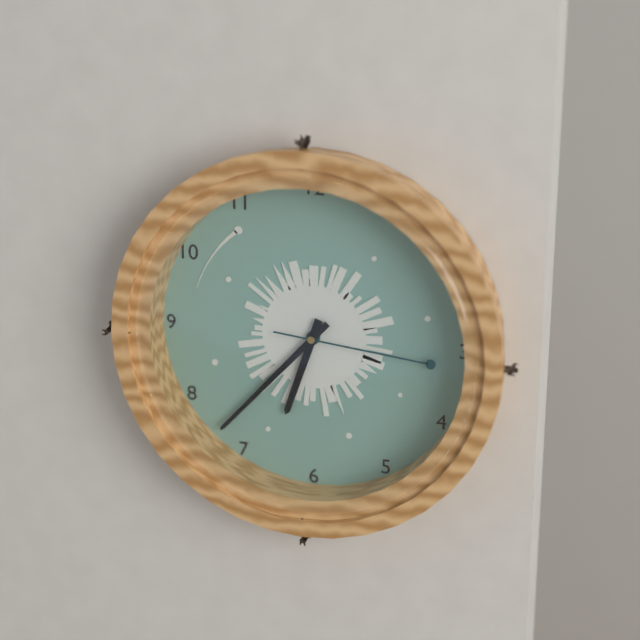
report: 6h37m16s
